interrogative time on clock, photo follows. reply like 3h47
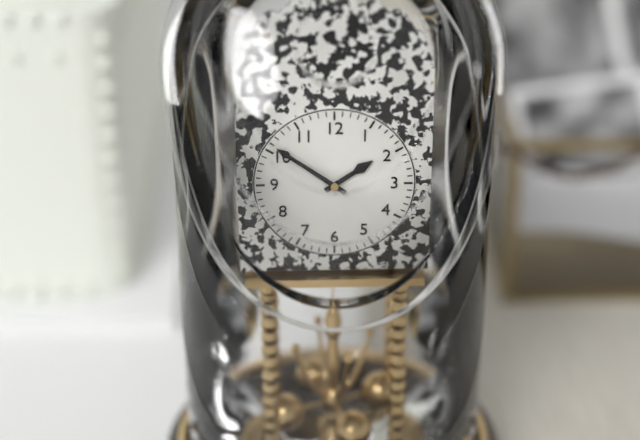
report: 1h51
